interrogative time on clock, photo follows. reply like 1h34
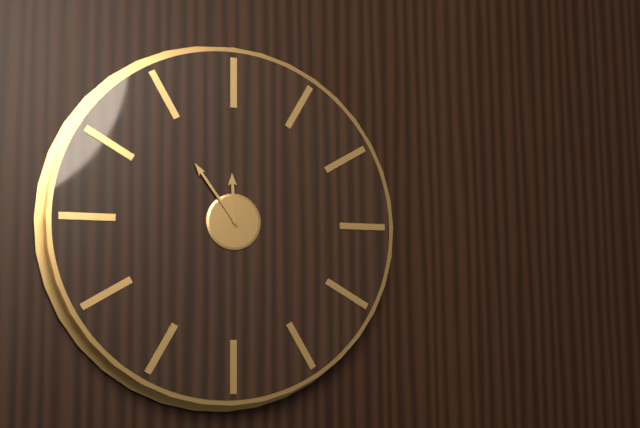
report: 11h54
